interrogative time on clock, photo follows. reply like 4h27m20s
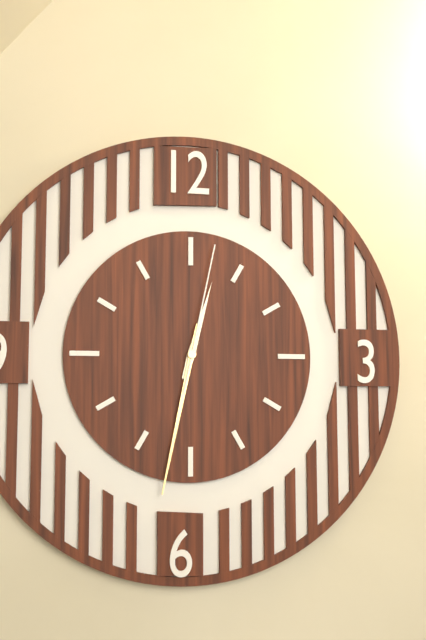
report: 12h32m02s
